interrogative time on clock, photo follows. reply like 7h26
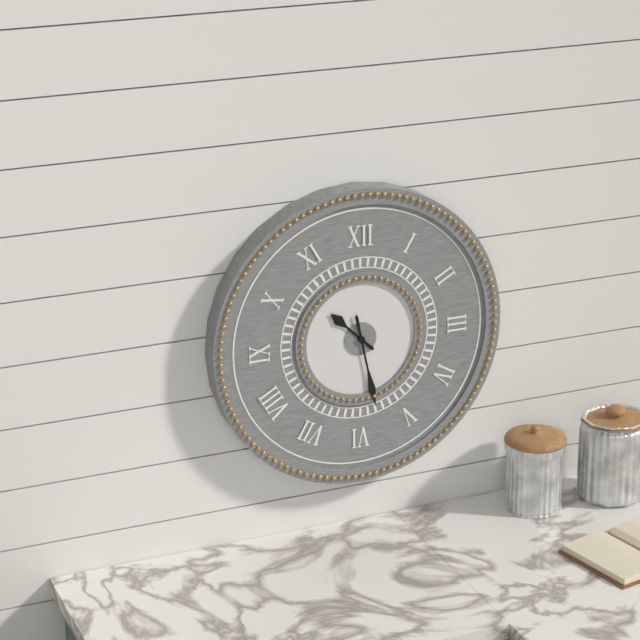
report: 10h28
